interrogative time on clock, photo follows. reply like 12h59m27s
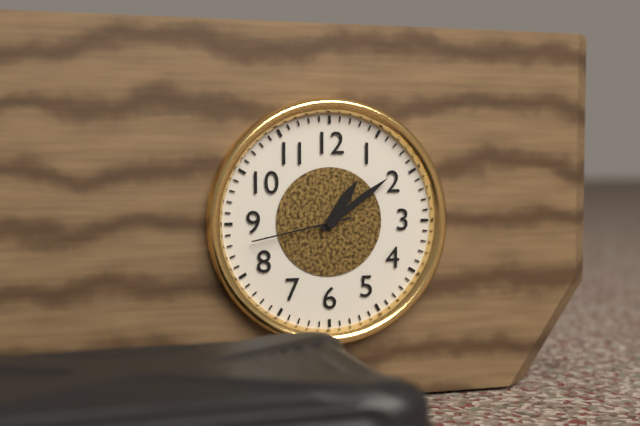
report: 1h09m43s
